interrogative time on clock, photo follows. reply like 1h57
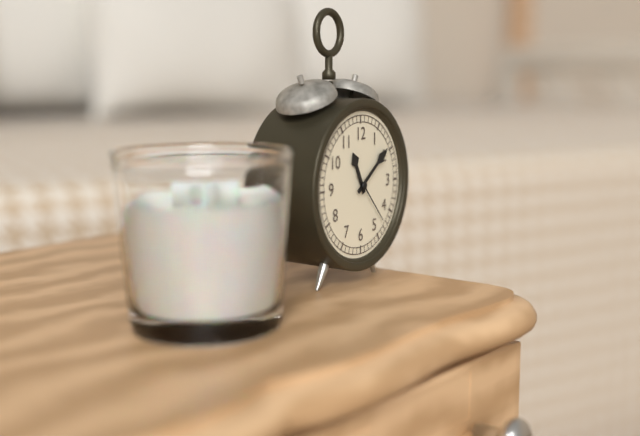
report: 11h09
